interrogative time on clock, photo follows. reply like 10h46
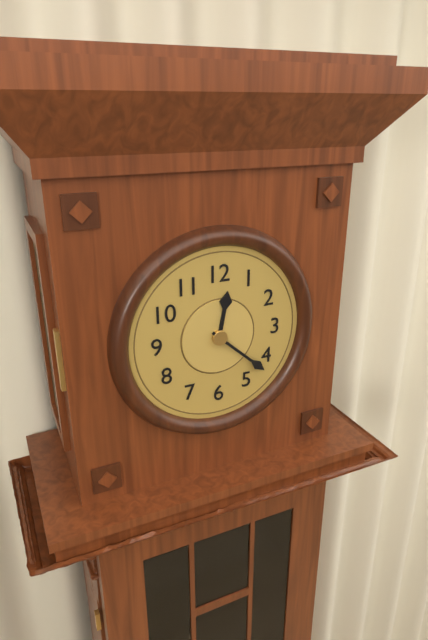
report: 12h22
